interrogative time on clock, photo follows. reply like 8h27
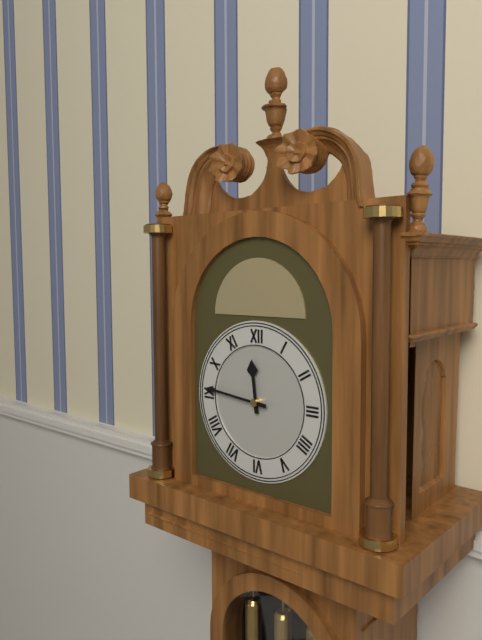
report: 11h46
